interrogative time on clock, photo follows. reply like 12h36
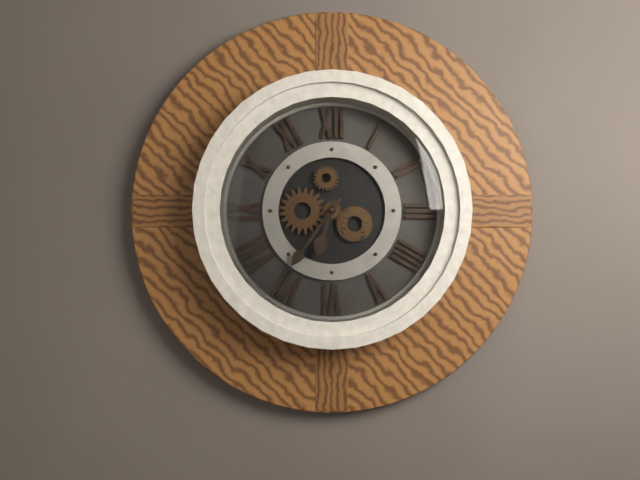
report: 6h36
